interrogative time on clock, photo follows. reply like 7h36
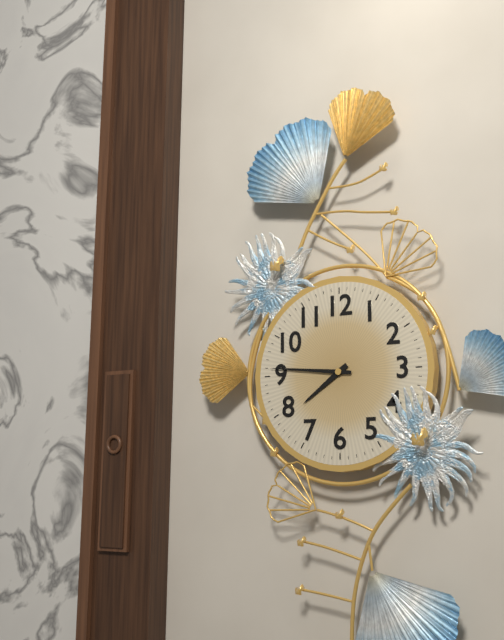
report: 7h46
